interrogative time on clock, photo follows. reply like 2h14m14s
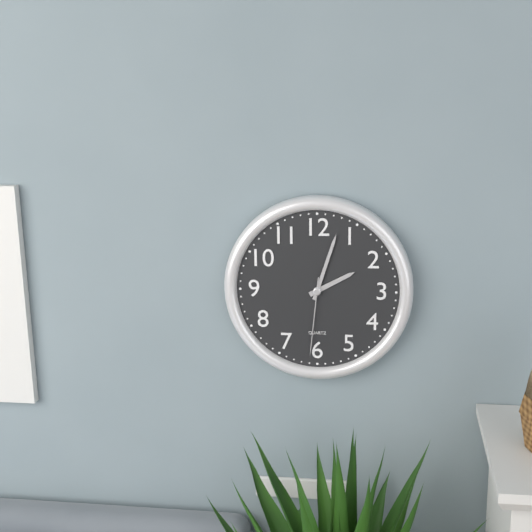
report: 2h03m31s
